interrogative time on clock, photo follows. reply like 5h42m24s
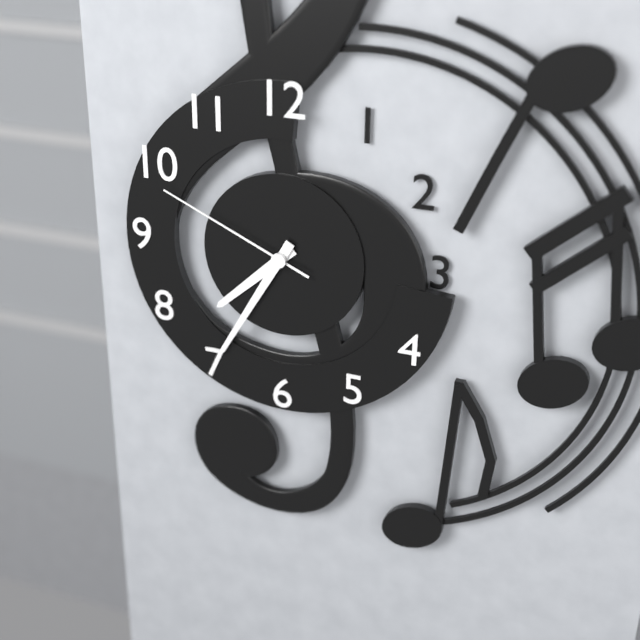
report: 7h35m49s
